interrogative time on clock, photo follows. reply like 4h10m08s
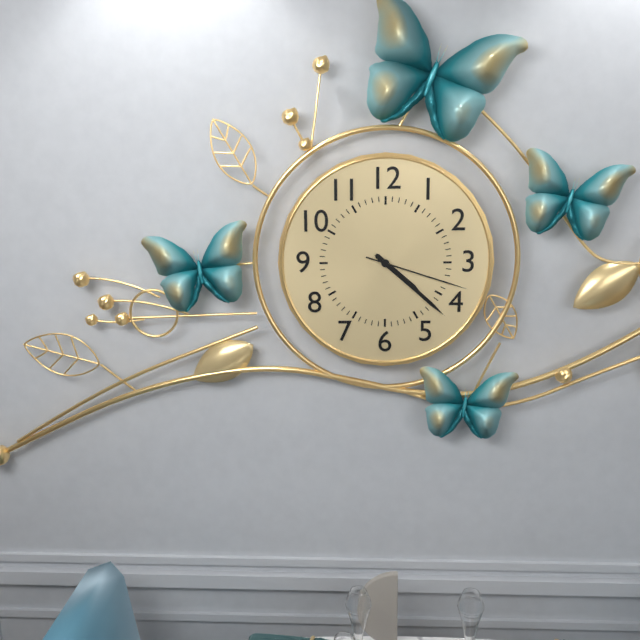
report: 4h22m18s
